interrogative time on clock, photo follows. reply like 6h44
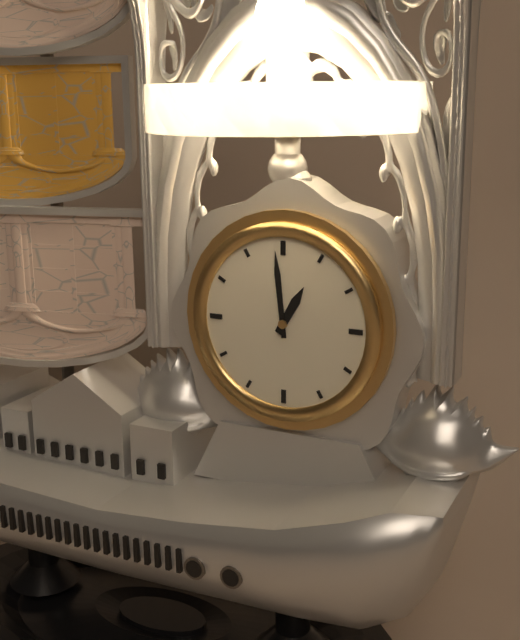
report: 12h59
